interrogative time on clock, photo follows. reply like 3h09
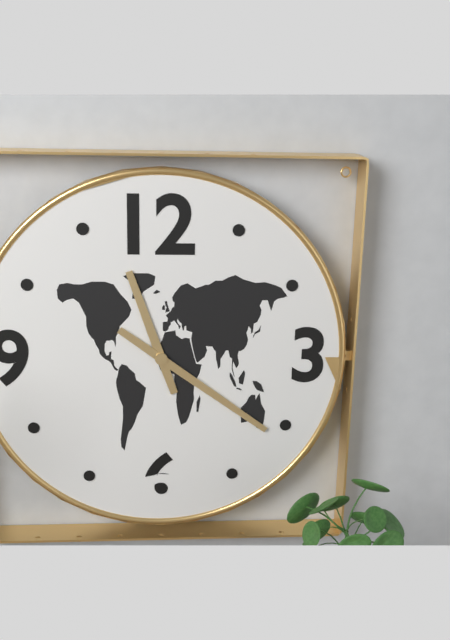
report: 11h21
